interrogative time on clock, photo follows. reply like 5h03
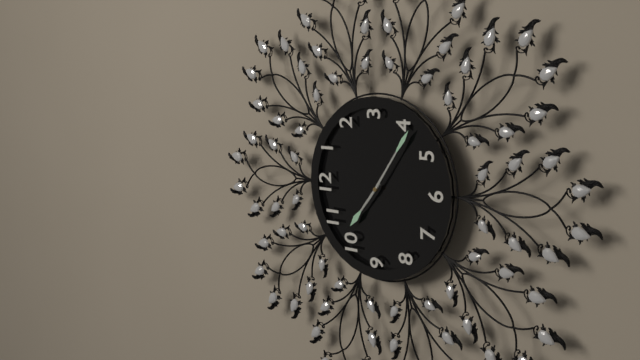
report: 10h21
